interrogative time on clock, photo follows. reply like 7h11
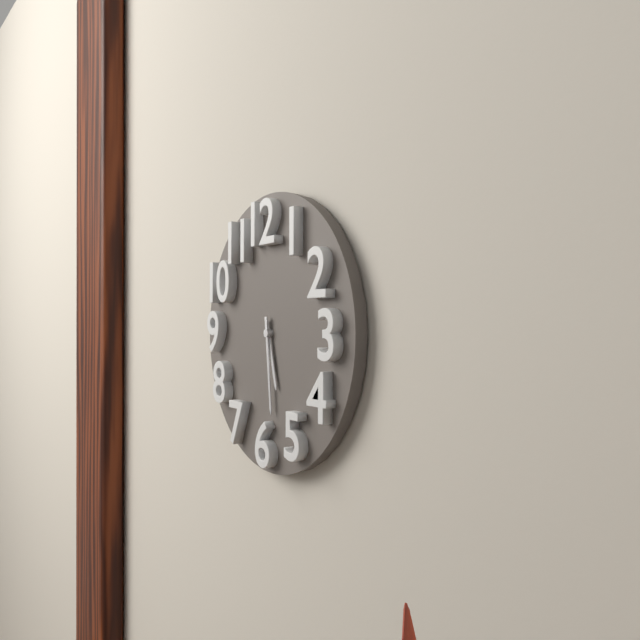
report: 5h29
